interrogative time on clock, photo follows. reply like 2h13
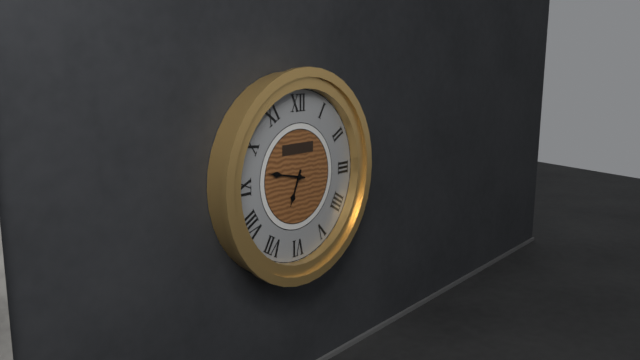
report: 6h47
